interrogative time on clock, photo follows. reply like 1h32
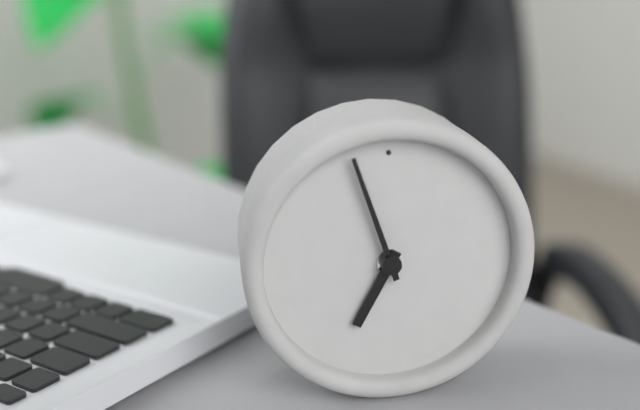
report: 6h57
